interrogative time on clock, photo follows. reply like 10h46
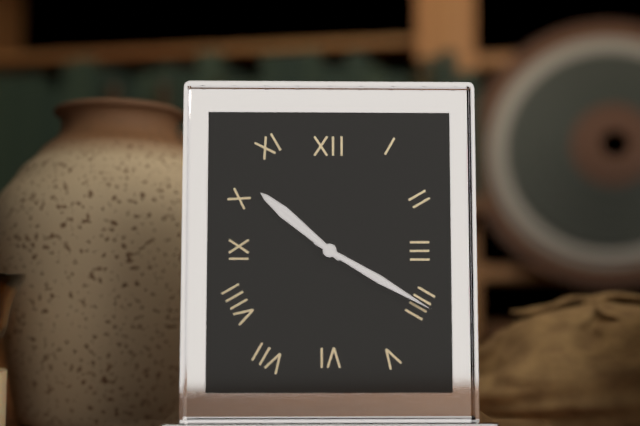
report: 10h20
